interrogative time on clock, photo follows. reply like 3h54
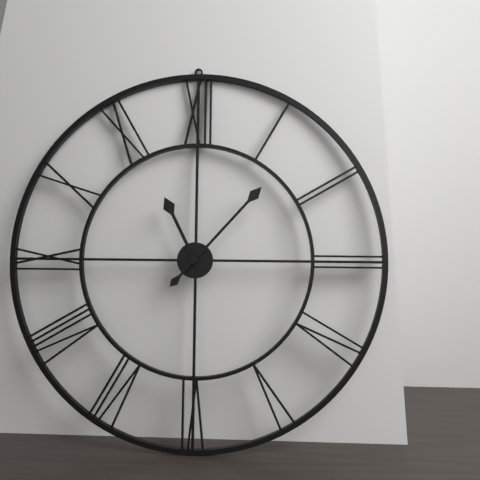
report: 11h07
